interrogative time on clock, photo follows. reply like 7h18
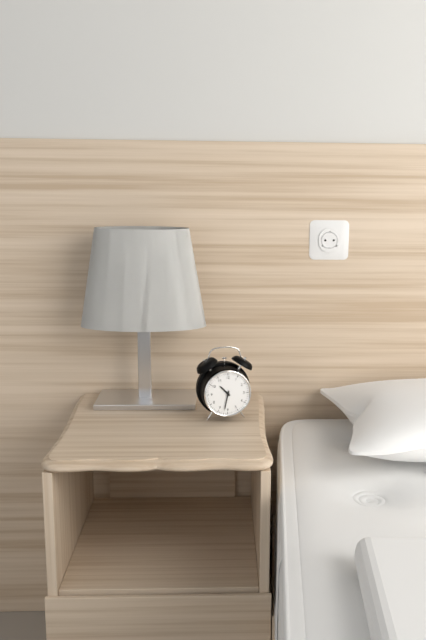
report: 10h32
